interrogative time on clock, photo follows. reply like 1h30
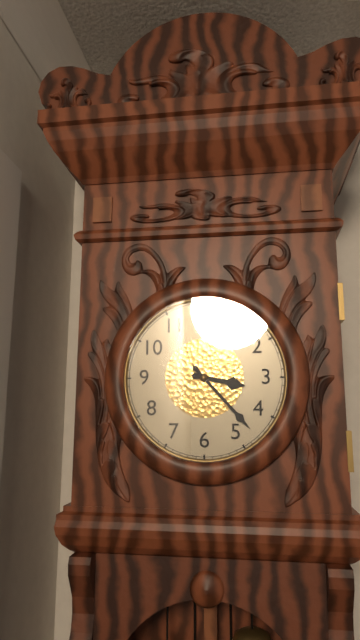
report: 3h23
